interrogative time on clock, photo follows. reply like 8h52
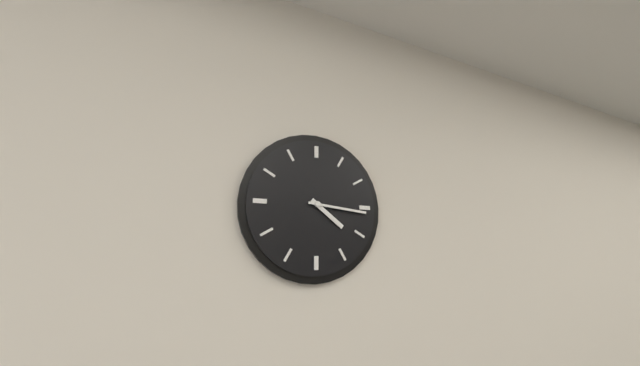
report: 4h16
